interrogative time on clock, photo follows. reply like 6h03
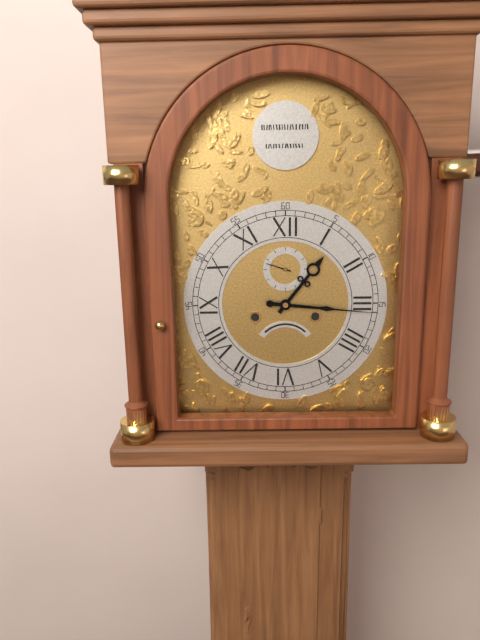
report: 1h16
